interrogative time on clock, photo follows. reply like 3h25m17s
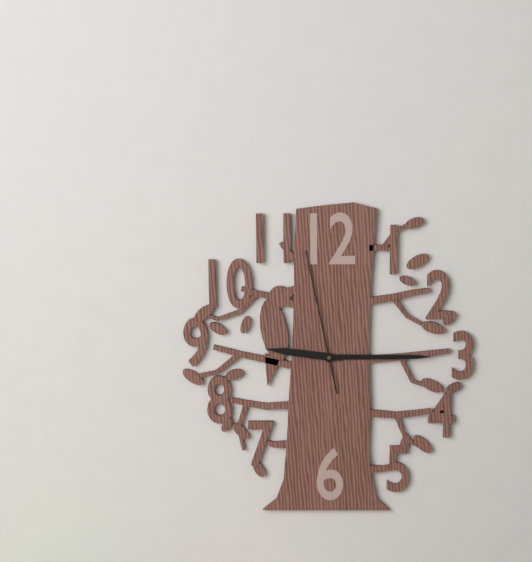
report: 9h15m58s
